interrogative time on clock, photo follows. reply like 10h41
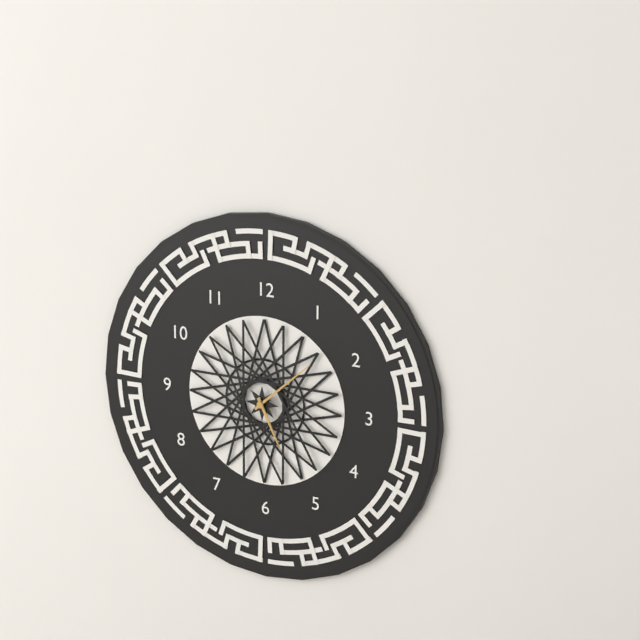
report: 5h08
